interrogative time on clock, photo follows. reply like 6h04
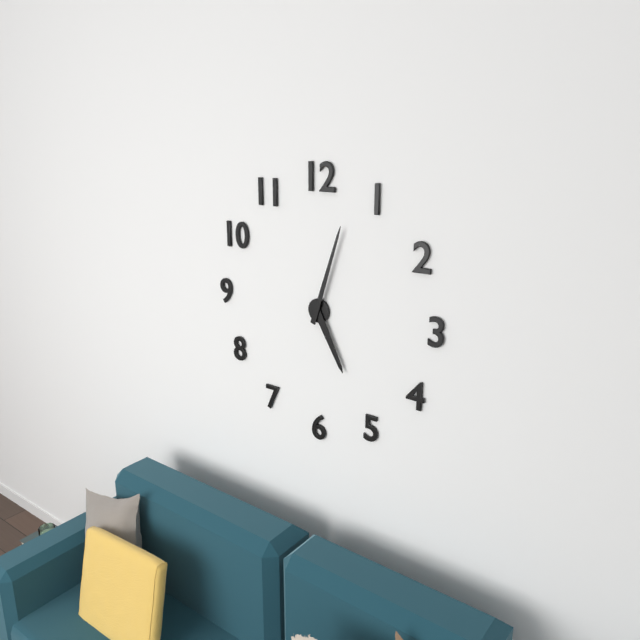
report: 5h03
